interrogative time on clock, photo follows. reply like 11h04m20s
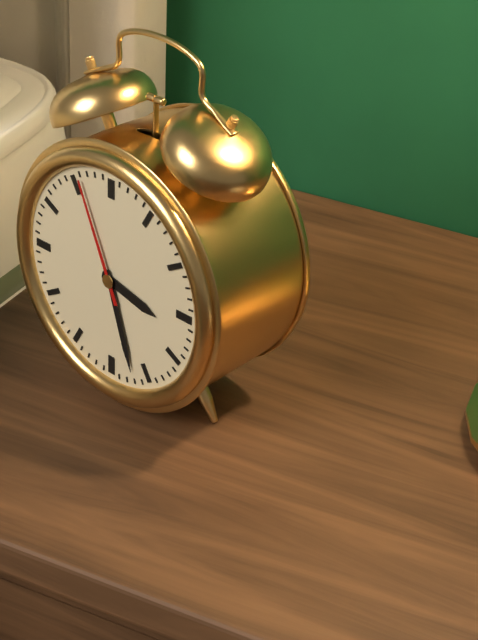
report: 3h27m56s
